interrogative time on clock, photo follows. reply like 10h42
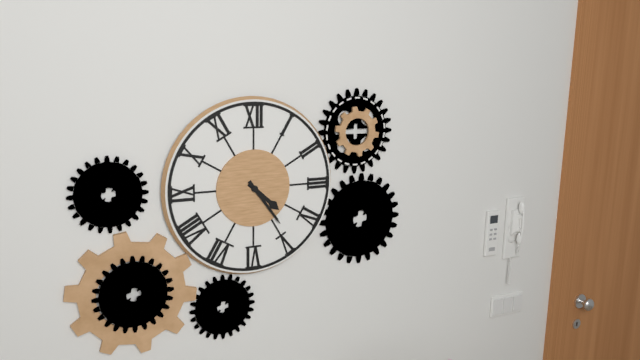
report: 4h24
